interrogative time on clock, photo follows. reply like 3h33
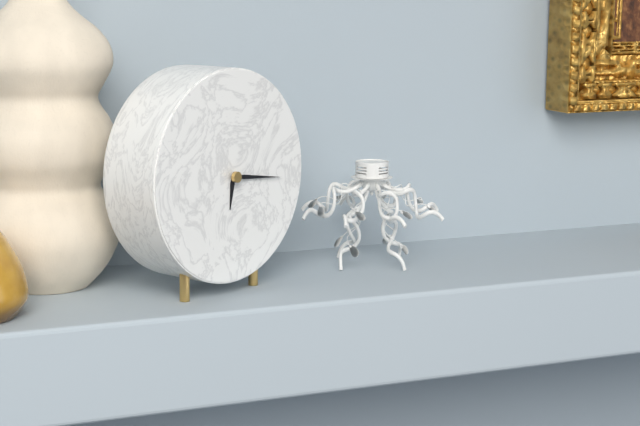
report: 6h16
